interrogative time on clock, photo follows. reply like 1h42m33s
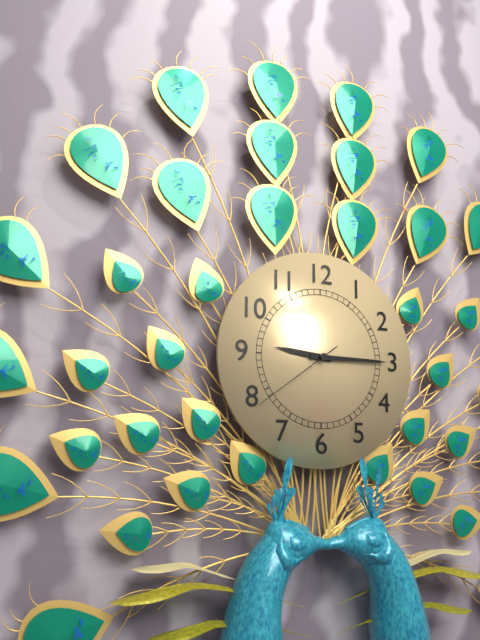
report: 9h15m39s
